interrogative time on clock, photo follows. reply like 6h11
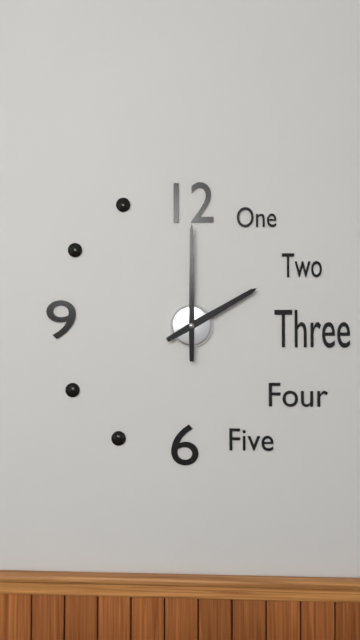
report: 2h00
